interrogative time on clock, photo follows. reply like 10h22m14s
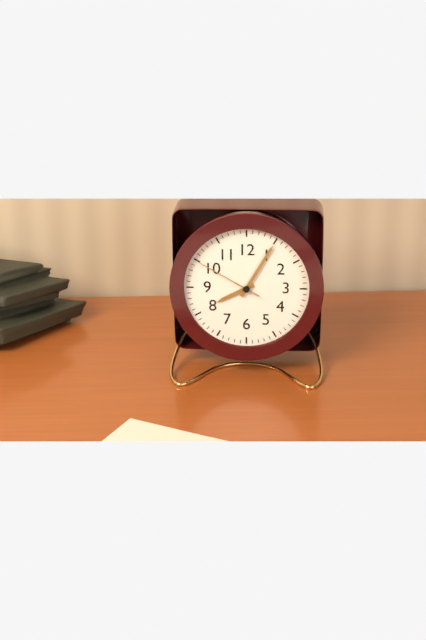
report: 8h05m50s
